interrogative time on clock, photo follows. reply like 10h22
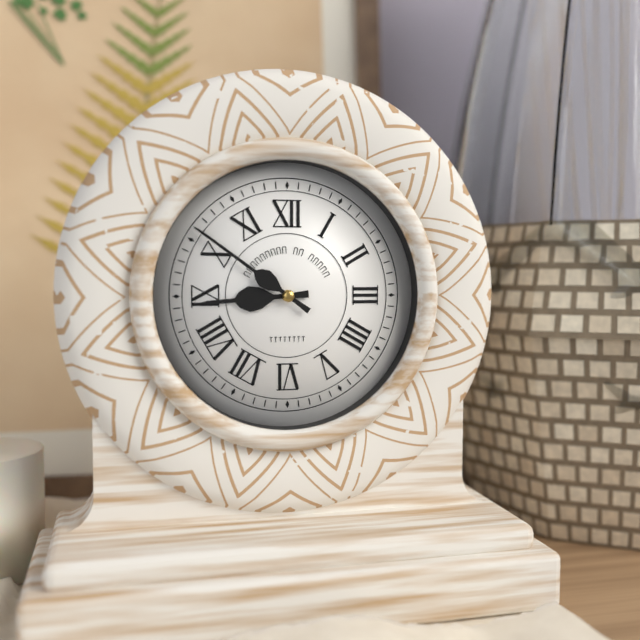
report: 8h51
